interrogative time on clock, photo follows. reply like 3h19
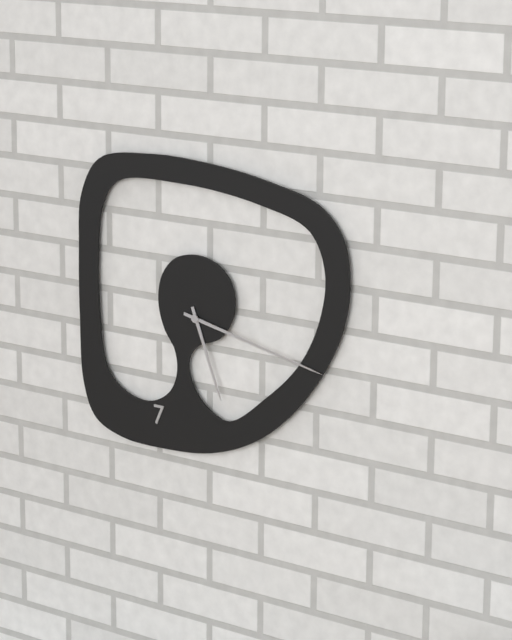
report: 5h17
